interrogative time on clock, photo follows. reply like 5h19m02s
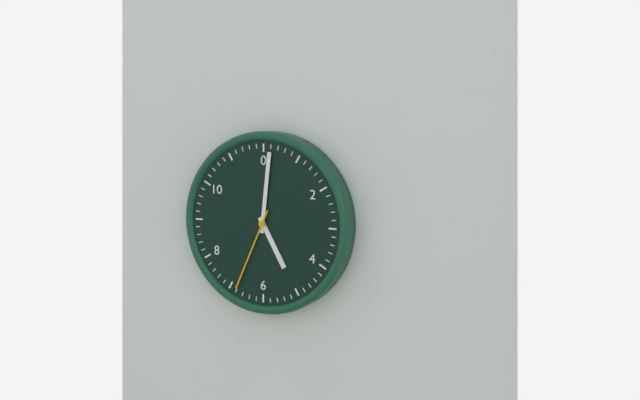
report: 5h01m34s
